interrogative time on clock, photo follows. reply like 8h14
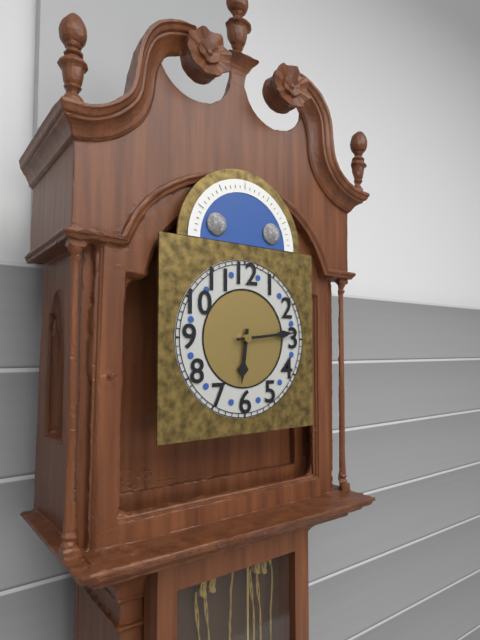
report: 6h14
